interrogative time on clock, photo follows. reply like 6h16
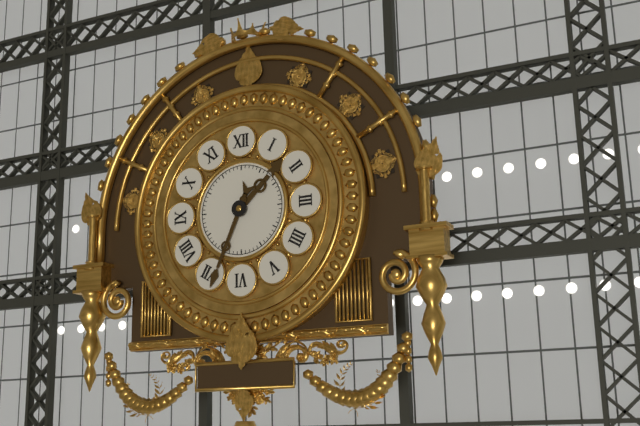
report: 1h34
